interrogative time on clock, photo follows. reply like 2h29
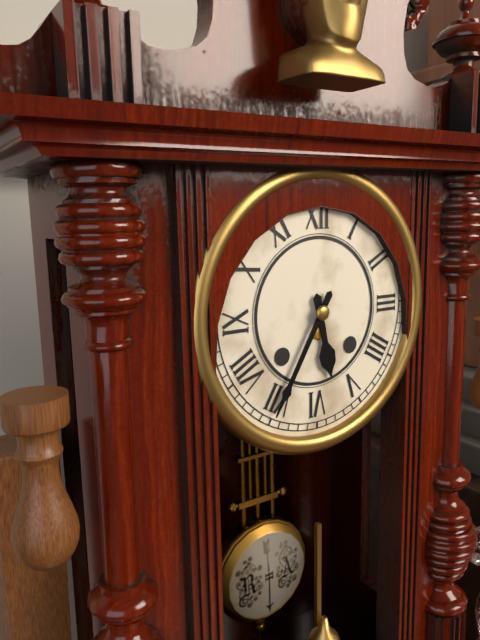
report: 5h35
